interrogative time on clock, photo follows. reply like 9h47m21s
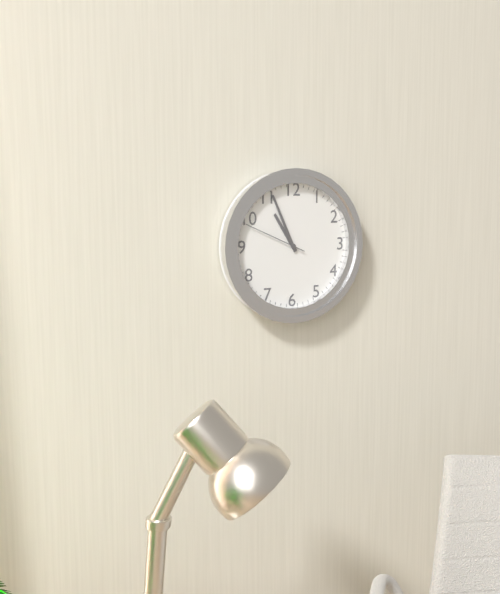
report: 10h56m49s
